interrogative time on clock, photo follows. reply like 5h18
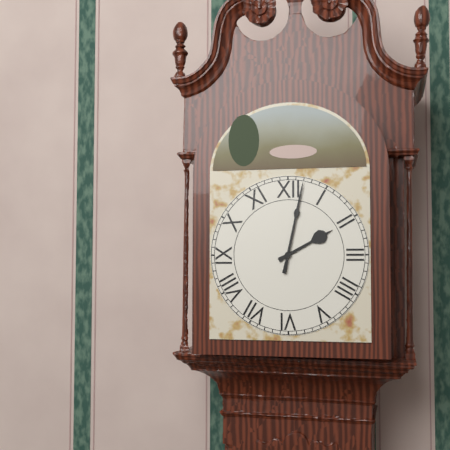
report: 2h02
